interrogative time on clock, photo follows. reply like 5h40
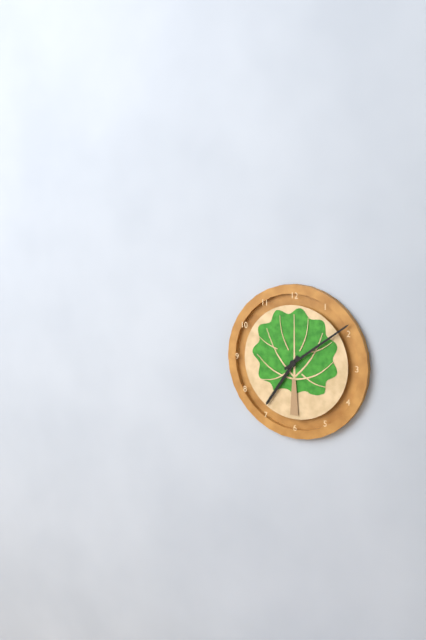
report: 7h09
